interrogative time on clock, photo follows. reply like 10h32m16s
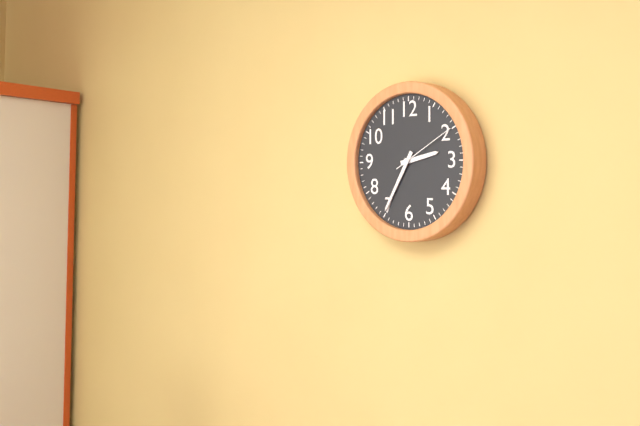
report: 2h35m10s
